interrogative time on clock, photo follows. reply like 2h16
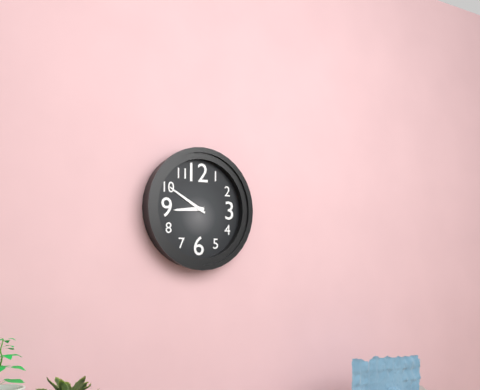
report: 8h50
